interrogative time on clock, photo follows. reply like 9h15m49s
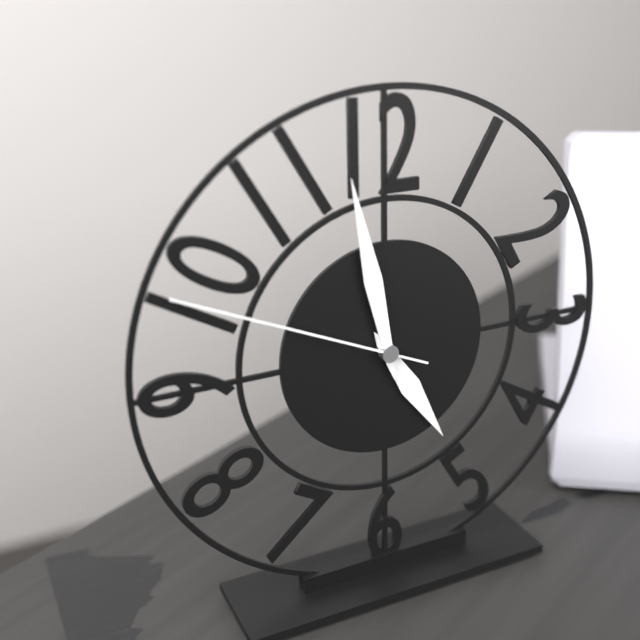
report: 4h58m49s
